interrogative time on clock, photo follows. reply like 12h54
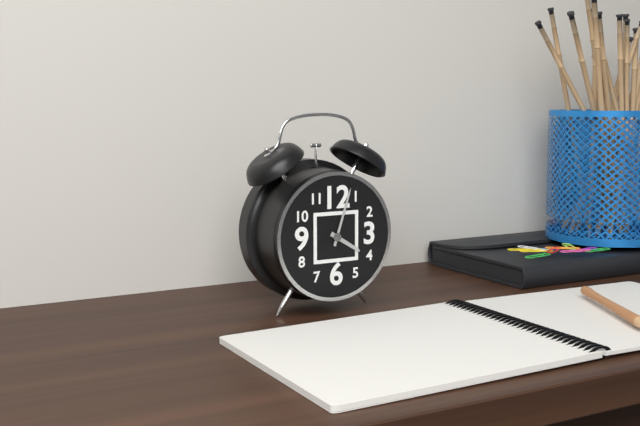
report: 4h03
